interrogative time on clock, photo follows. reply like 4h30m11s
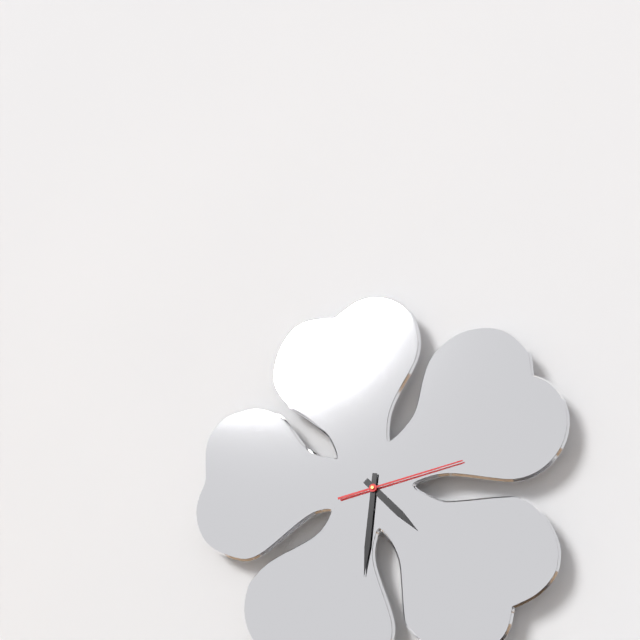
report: 4h31m13s
